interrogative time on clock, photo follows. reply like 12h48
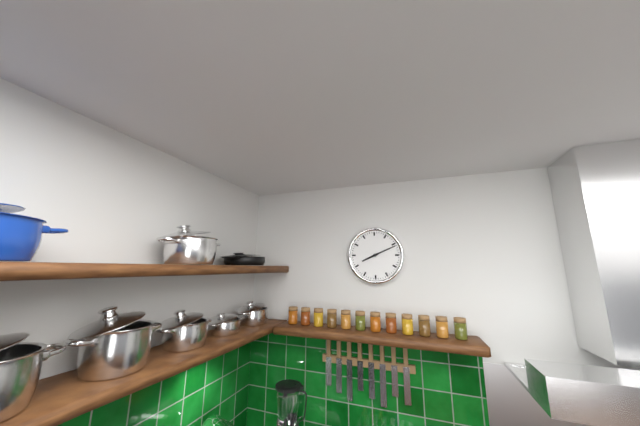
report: 8h11
